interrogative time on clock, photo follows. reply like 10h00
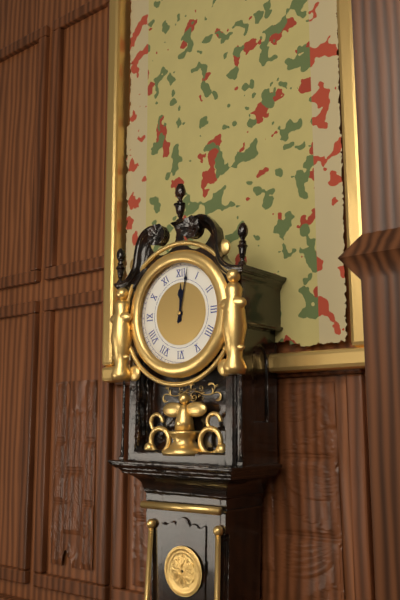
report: 12h02
